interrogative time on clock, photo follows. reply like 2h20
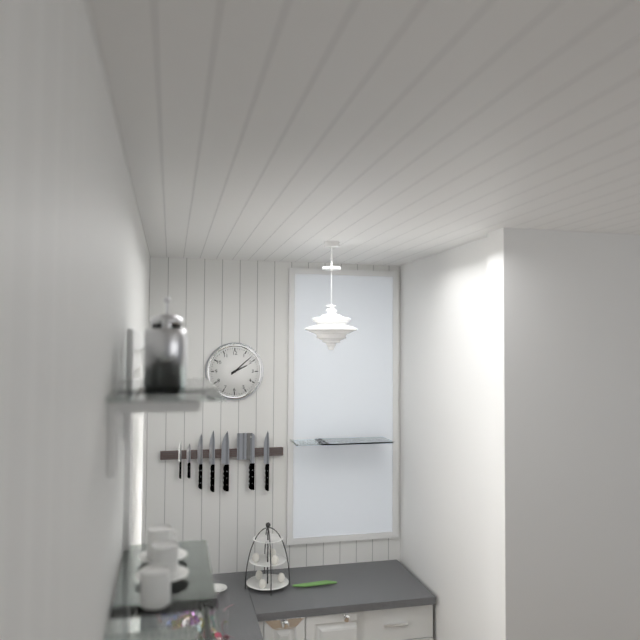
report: 2h08
